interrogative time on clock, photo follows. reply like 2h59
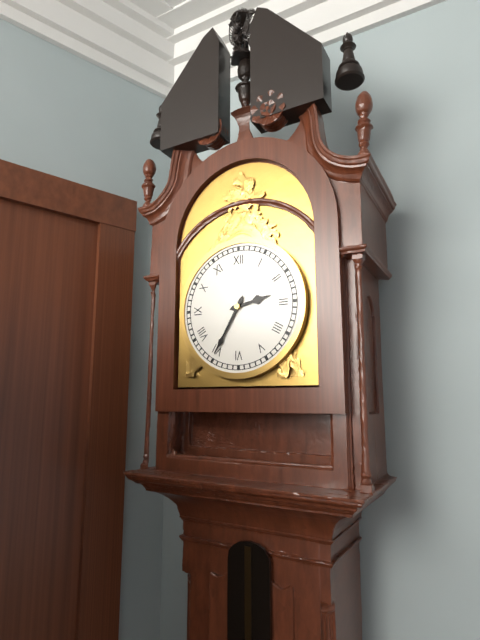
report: 2h35
